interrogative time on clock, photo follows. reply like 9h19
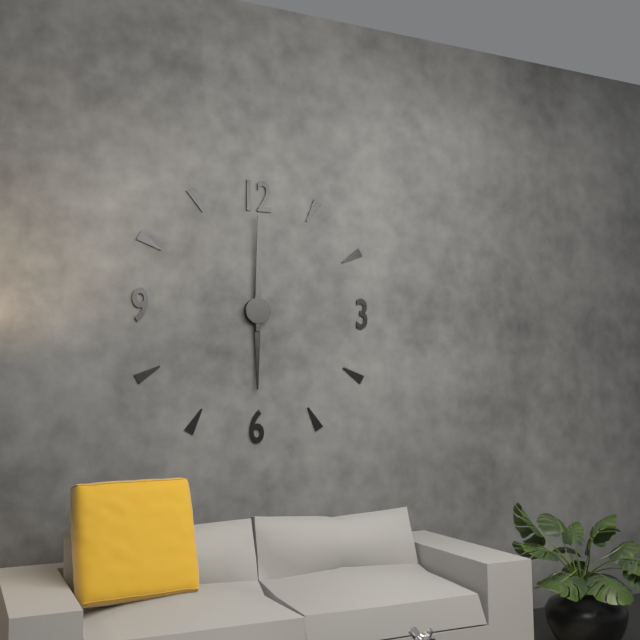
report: 6h00
